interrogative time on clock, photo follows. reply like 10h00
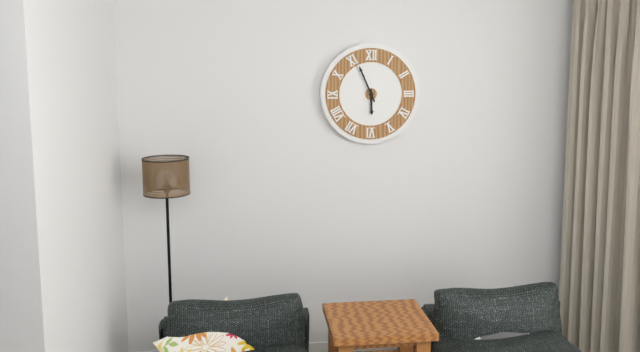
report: 5h56
